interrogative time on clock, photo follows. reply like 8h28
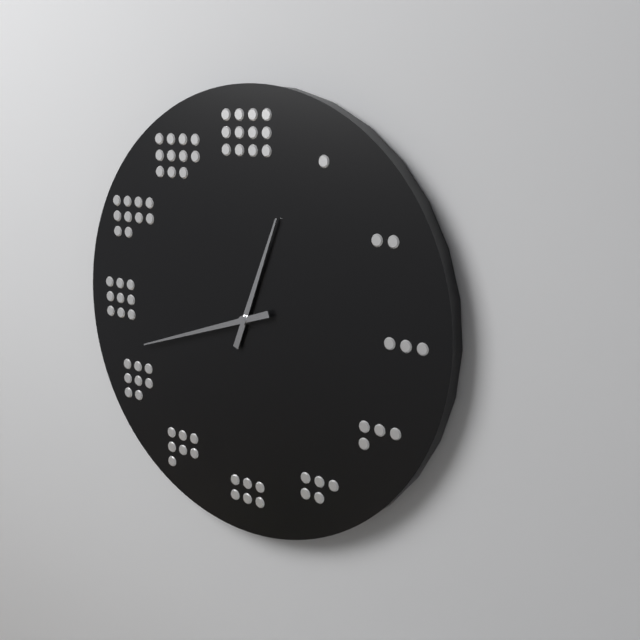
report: 12h42
